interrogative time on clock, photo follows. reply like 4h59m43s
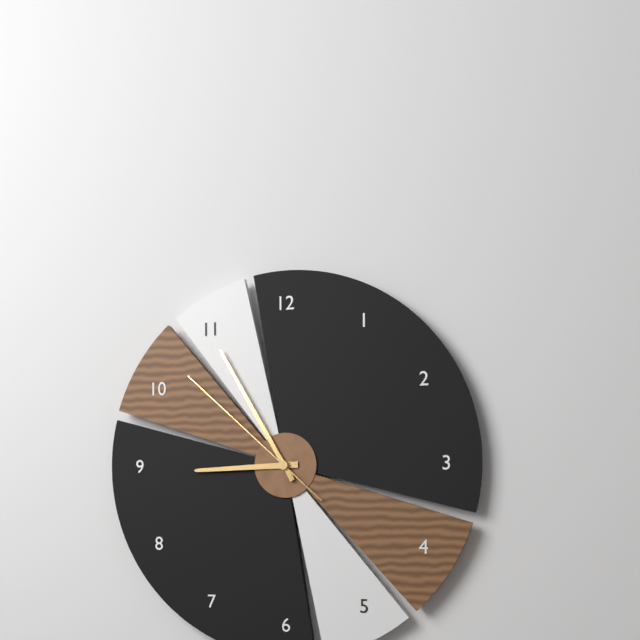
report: 8h55m52s
